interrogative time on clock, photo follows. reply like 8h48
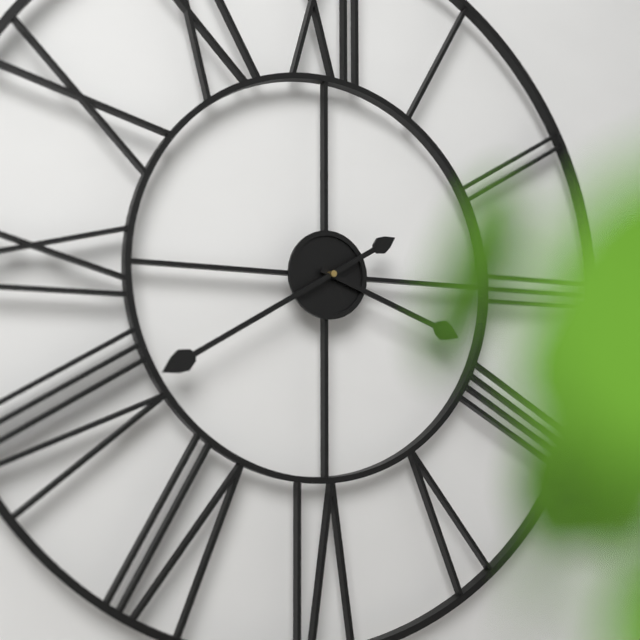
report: 3h40
